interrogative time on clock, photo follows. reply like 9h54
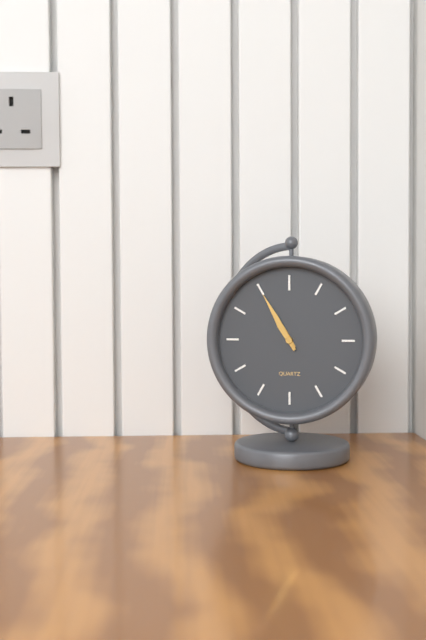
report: 10h55
